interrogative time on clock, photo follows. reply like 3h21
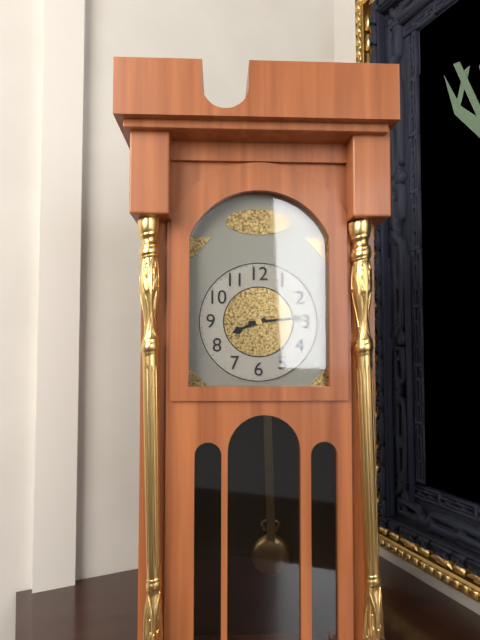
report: 8h14
